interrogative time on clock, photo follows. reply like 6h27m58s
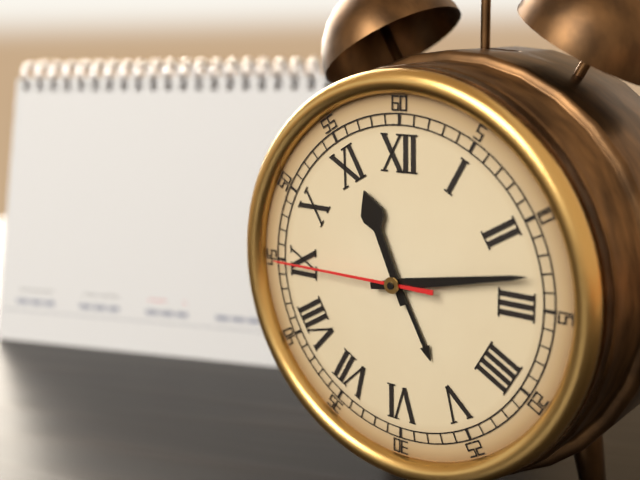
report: 11h13m45s
